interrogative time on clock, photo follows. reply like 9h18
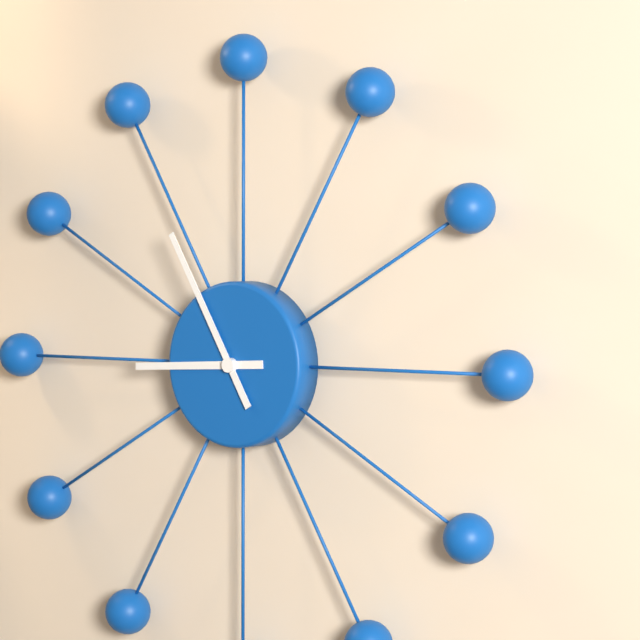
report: 8h55
